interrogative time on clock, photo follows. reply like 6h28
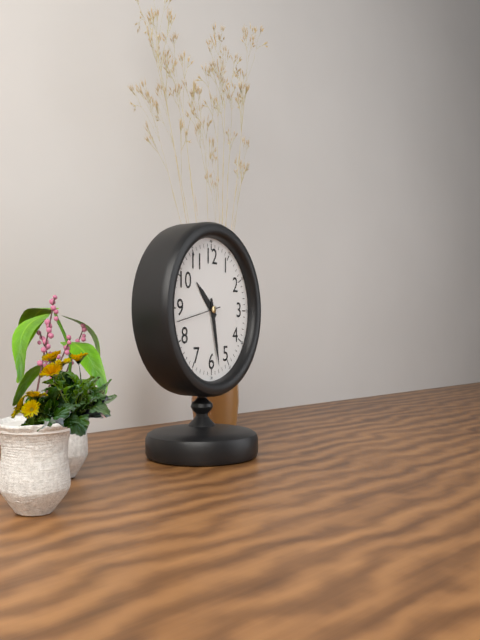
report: 10h28
